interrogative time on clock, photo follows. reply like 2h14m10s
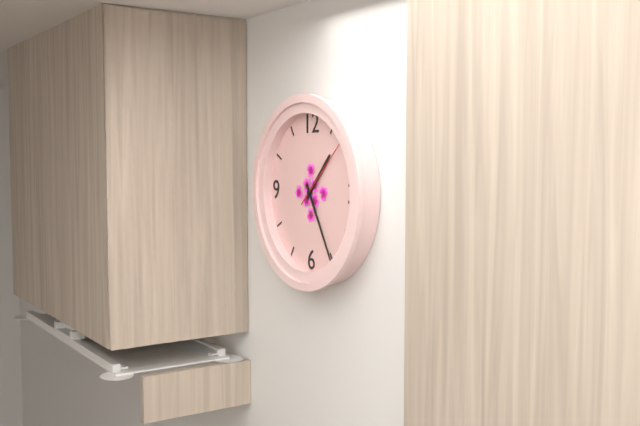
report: 1h25m08s
